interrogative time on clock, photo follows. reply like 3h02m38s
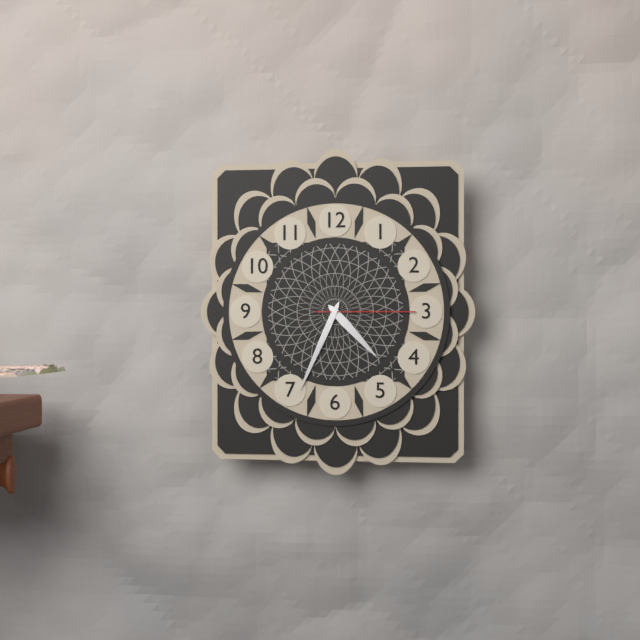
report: 4h34m15s
